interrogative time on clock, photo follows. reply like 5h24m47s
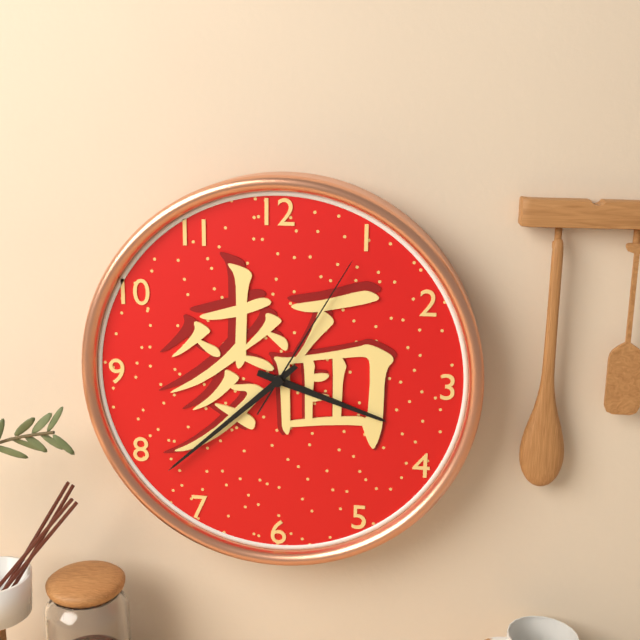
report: 3h38m05s
